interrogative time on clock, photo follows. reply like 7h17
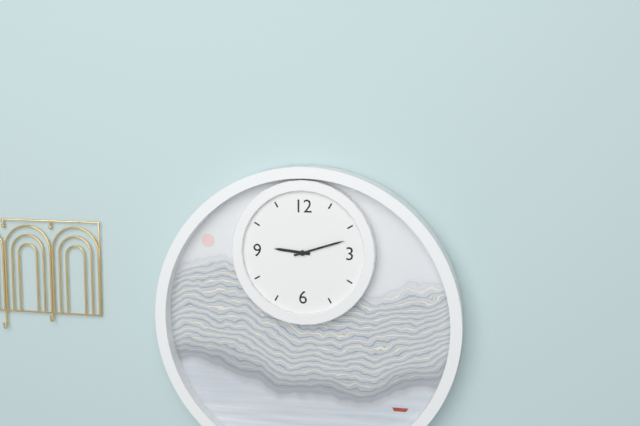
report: 9h12
